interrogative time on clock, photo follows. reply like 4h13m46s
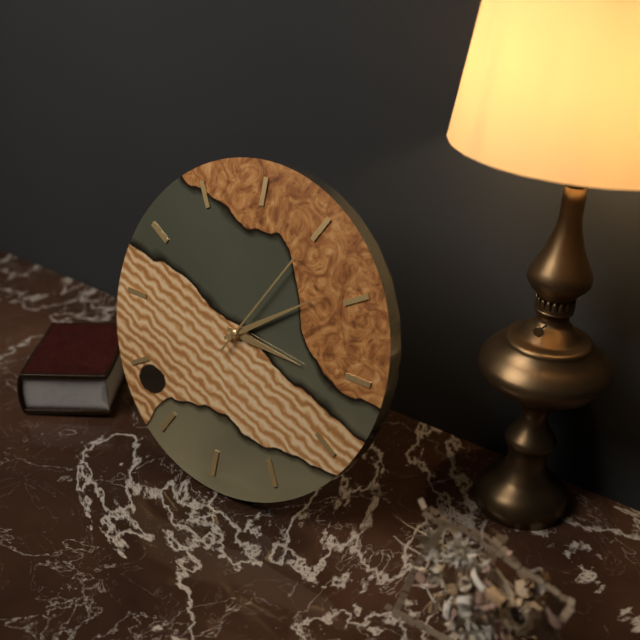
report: 3h09m05s
